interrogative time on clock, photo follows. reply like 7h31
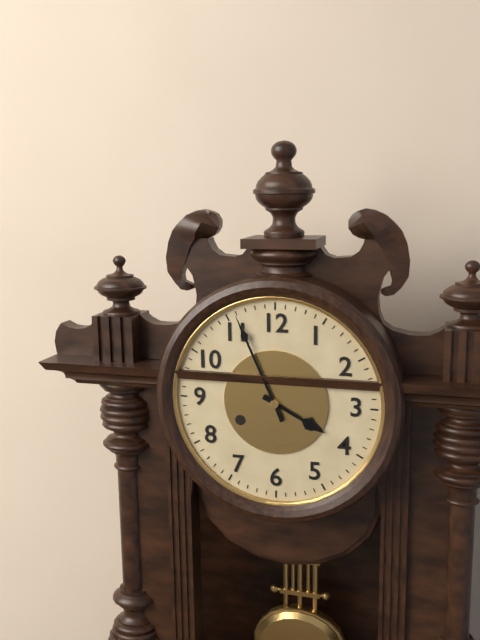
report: 3h56
